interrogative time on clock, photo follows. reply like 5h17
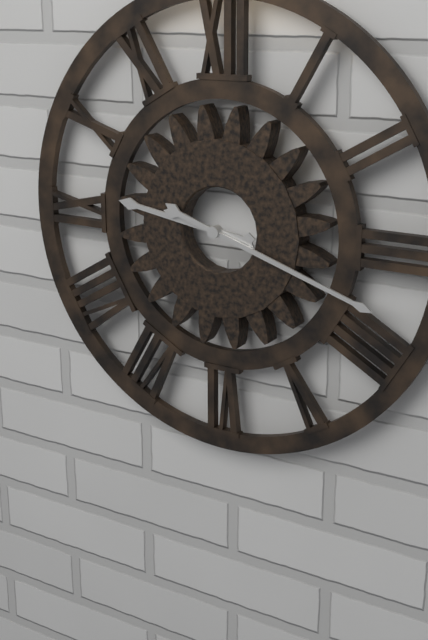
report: 9h18
